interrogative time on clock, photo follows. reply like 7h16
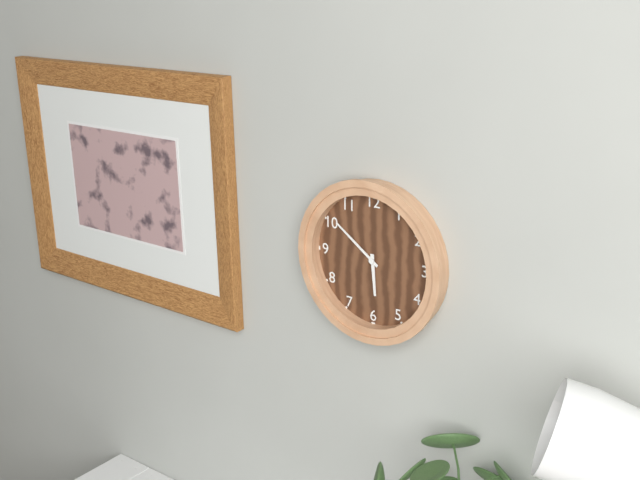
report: 5h51
